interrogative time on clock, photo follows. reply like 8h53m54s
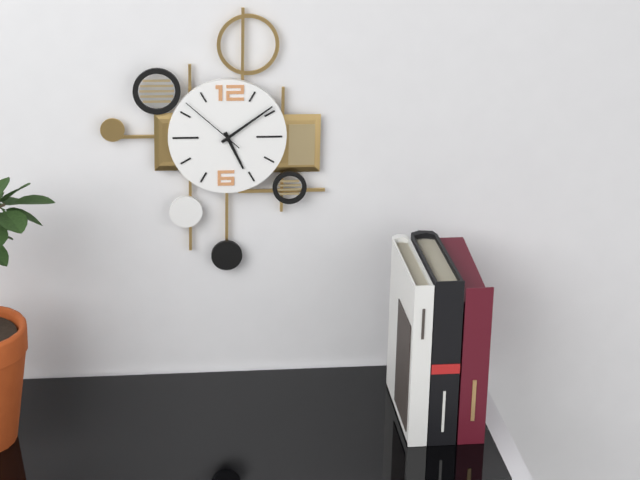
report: 5h09m52s
